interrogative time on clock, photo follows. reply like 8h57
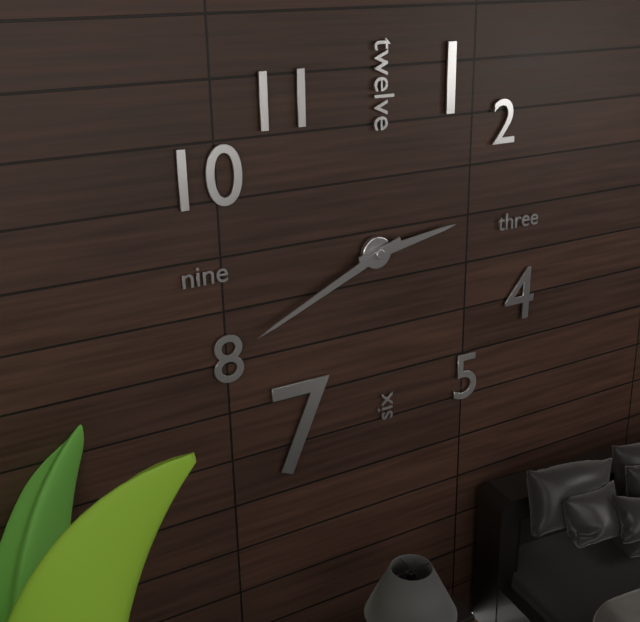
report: 2h41
